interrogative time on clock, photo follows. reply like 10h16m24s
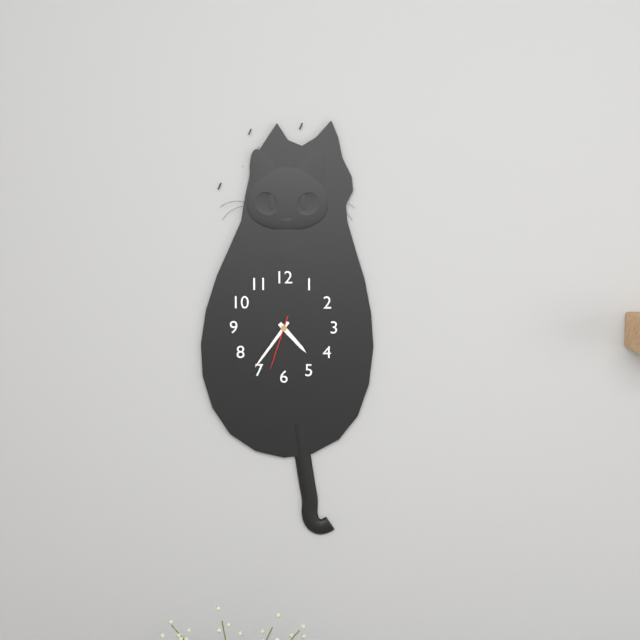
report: 4h36m33s
